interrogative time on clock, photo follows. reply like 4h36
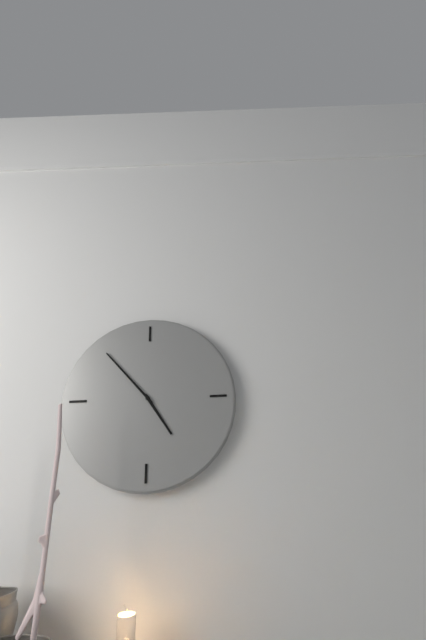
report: 4h53
